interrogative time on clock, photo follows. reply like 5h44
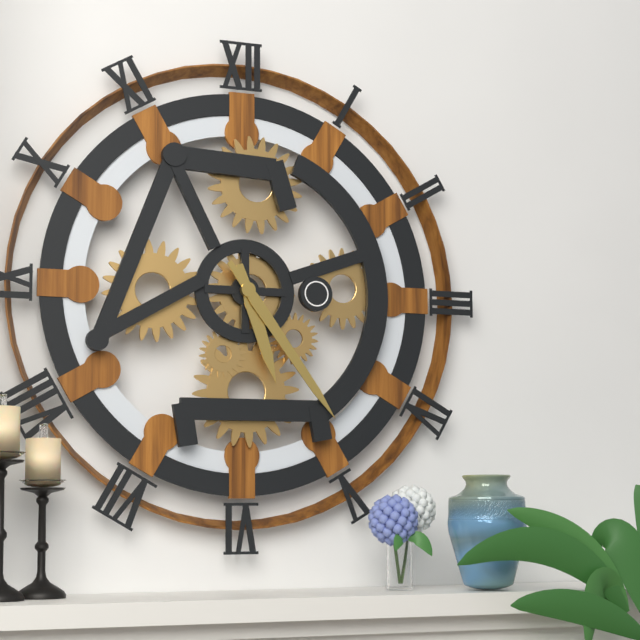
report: 5h24
